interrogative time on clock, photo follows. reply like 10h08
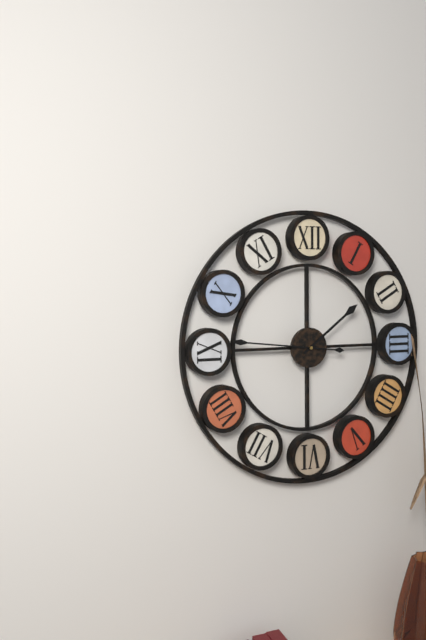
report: 1h46
